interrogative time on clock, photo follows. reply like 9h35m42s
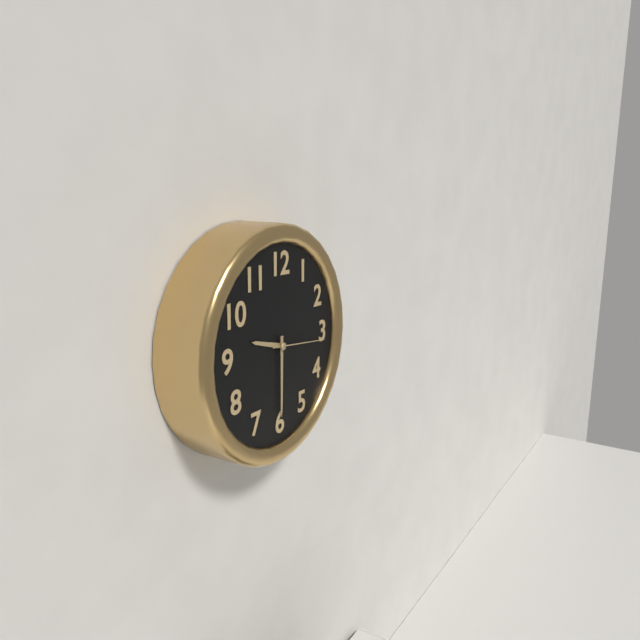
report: 9h30m16s
